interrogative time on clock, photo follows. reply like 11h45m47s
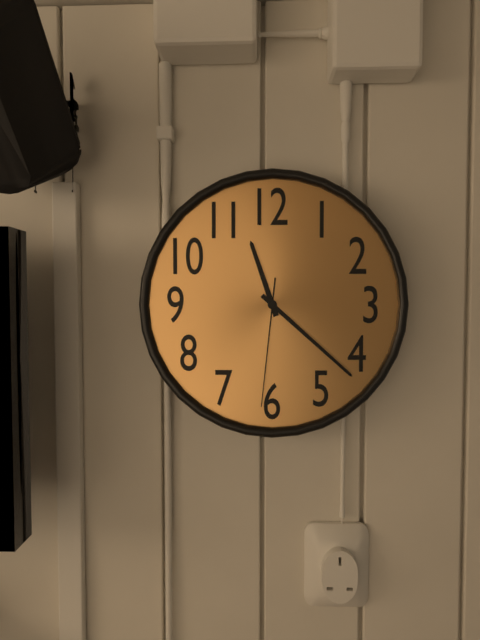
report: 11h22m31s
